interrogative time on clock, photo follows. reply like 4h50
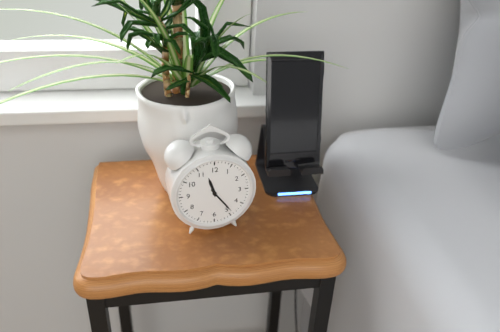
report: 11h24
